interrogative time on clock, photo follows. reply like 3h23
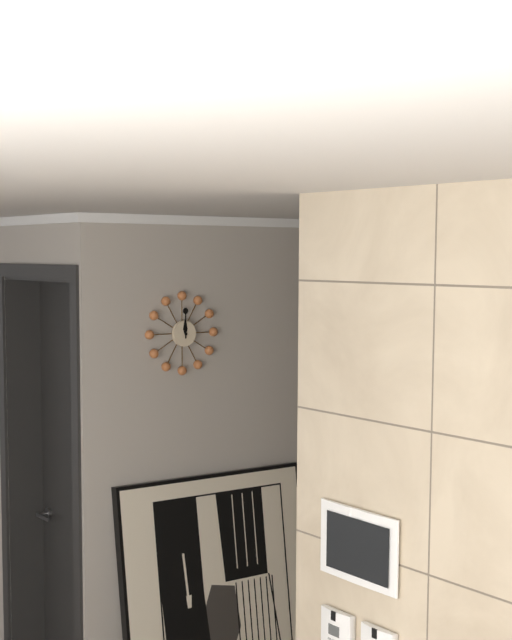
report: 12h00
